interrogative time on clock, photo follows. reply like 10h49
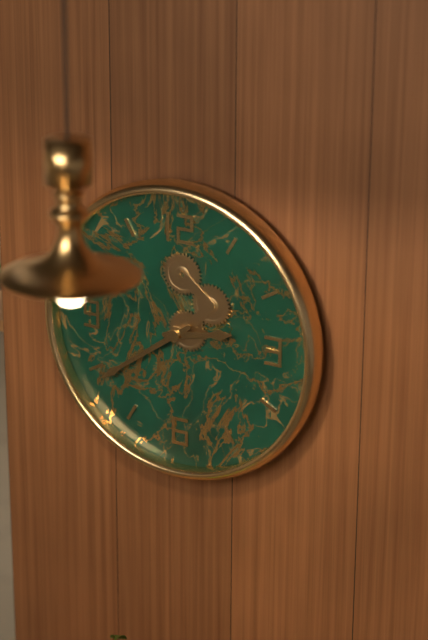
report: 2h39
